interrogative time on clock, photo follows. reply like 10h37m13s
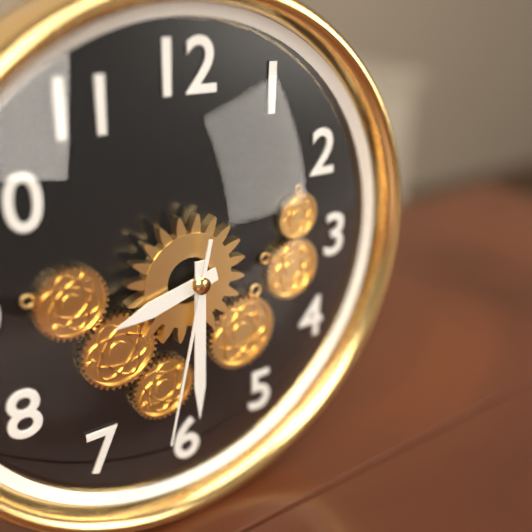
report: 8h30m32s
